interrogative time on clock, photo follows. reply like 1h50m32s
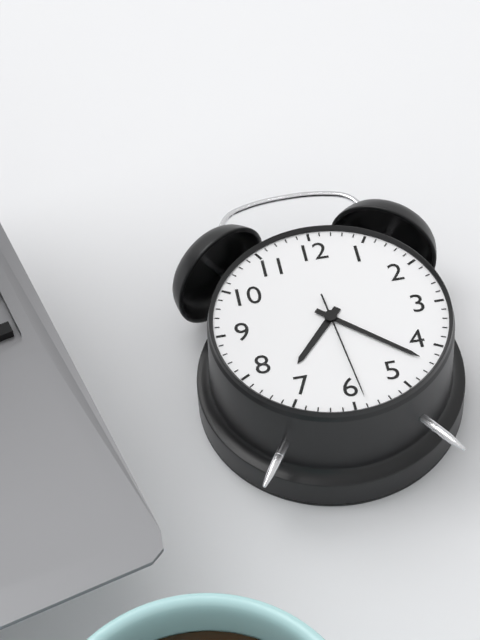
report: 7h22m29s
